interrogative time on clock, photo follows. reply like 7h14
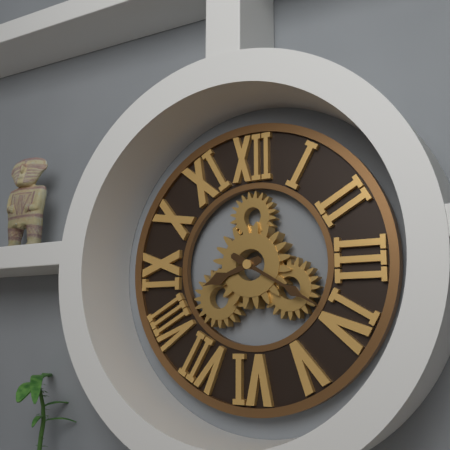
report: 8h20
